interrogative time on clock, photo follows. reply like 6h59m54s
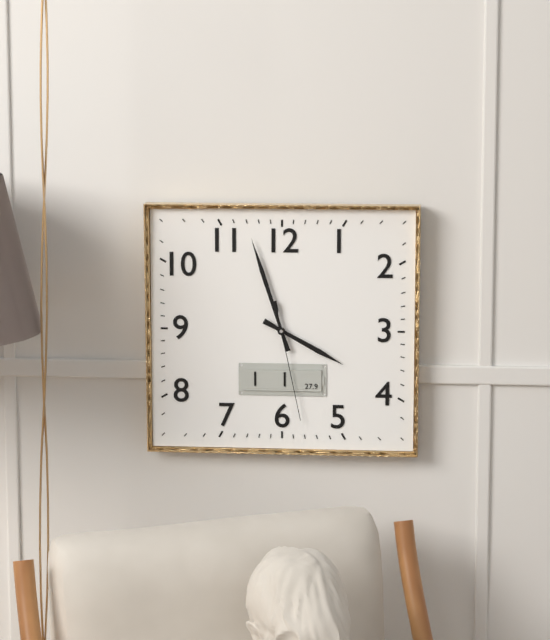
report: 3h57m28s
